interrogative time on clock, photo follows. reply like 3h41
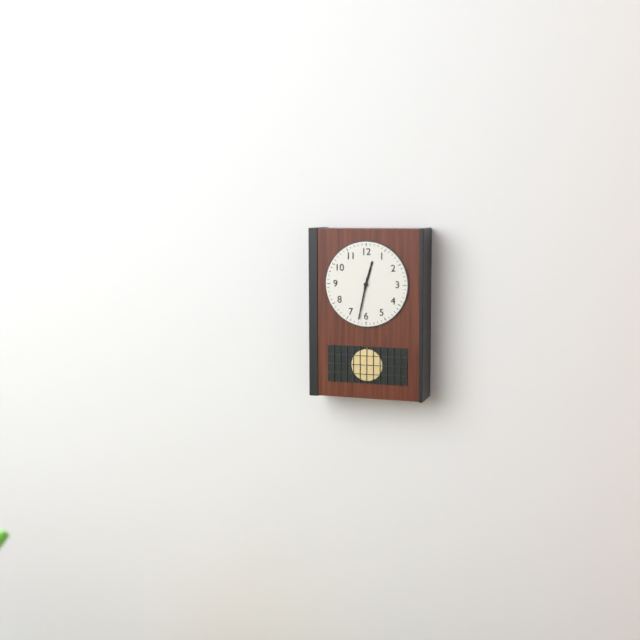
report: 12h32
